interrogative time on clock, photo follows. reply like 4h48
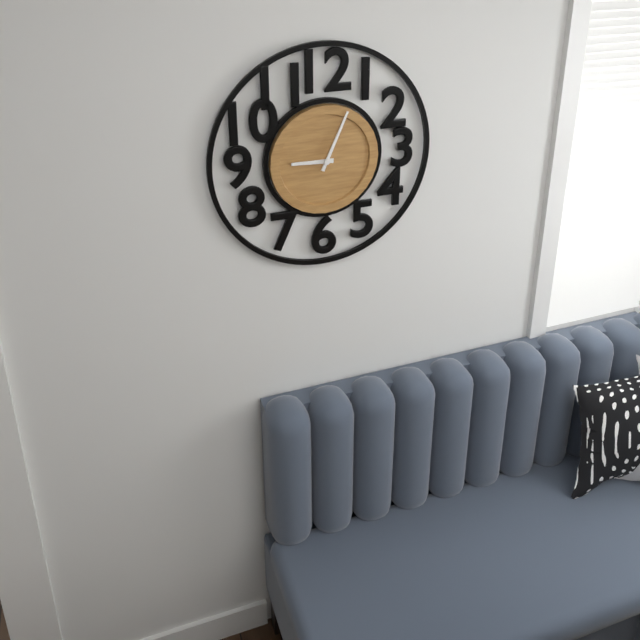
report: 9h04
